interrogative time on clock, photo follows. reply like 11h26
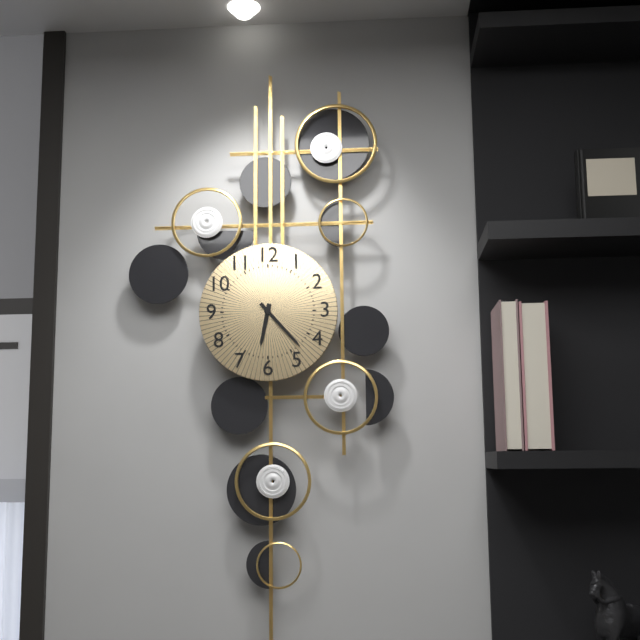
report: 6h23
